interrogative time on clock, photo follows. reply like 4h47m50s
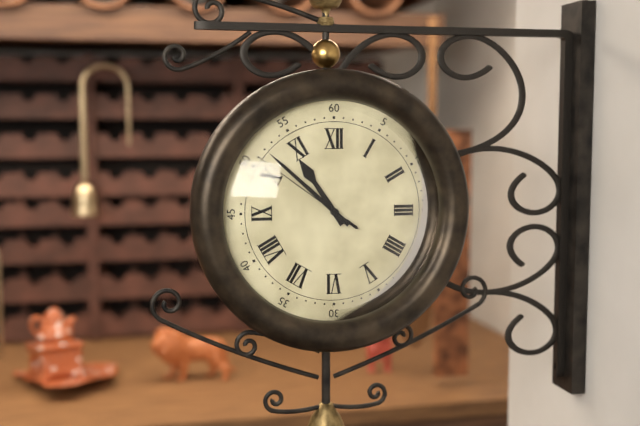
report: 10h52m51s
